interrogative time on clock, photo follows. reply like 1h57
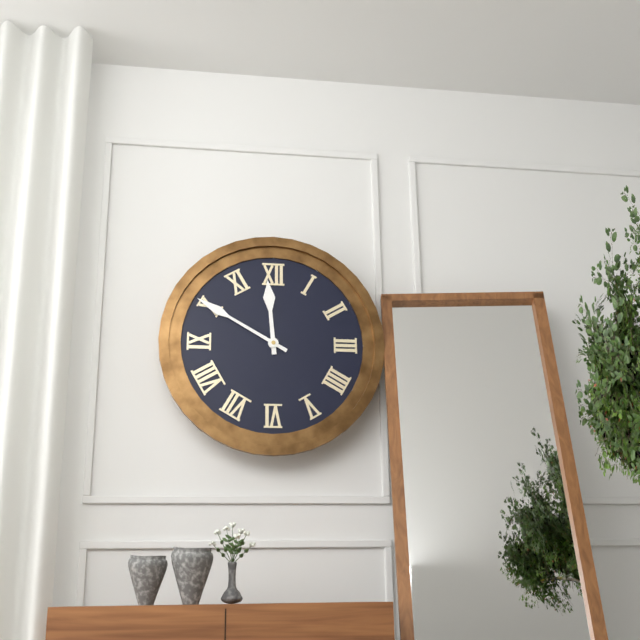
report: 11h50
